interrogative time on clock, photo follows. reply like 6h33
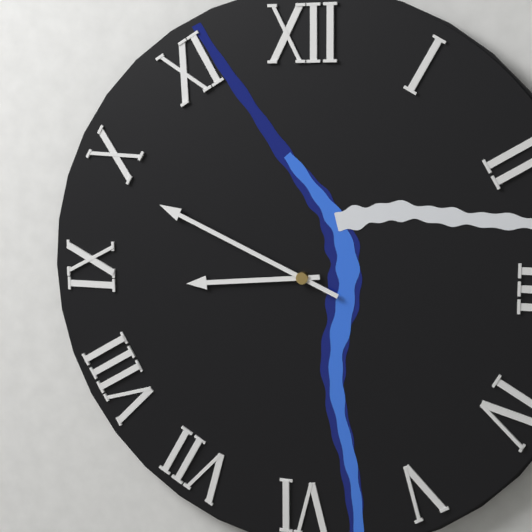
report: 8h49
